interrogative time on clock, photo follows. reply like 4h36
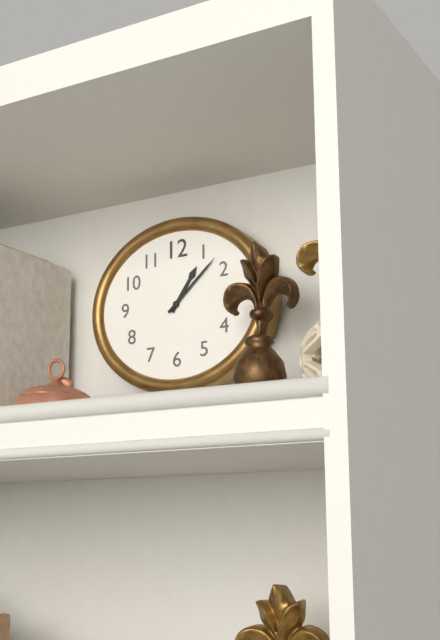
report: 1h08
